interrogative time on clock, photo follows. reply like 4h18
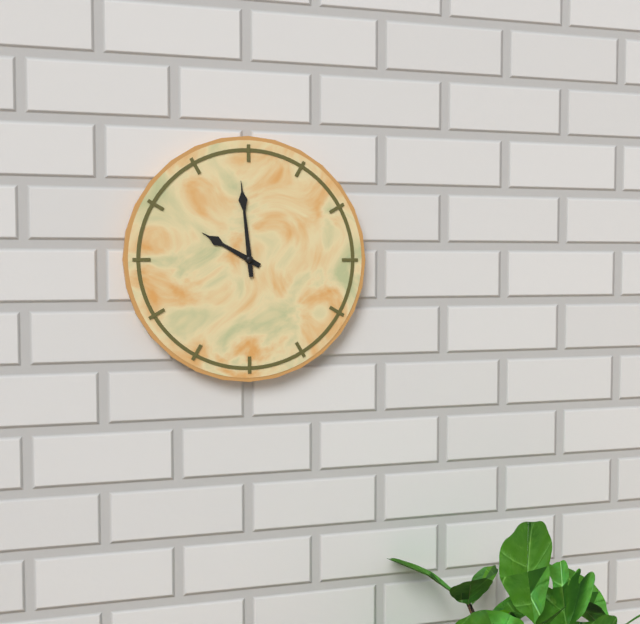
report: 9h59
